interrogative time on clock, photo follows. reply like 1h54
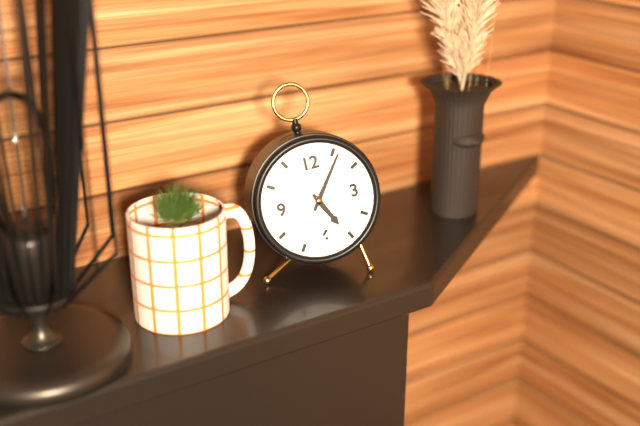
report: 5h06
